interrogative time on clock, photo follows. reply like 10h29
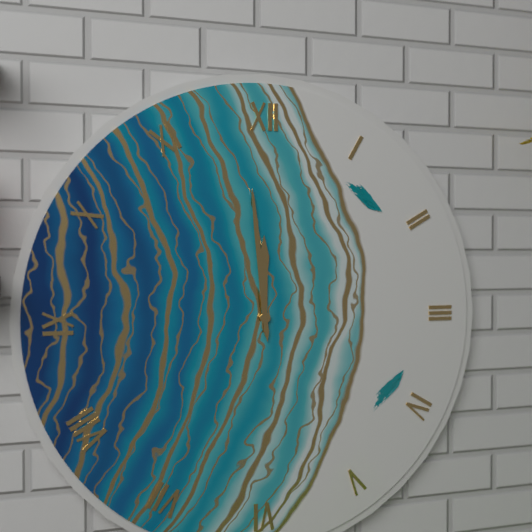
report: 11h59
